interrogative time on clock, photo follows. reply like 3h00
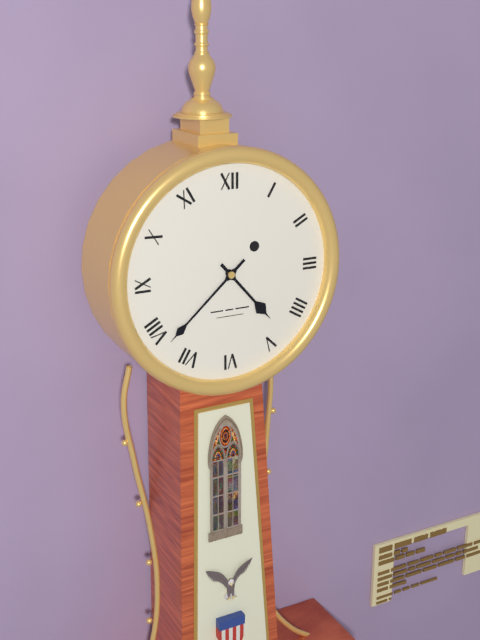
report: 4h38
